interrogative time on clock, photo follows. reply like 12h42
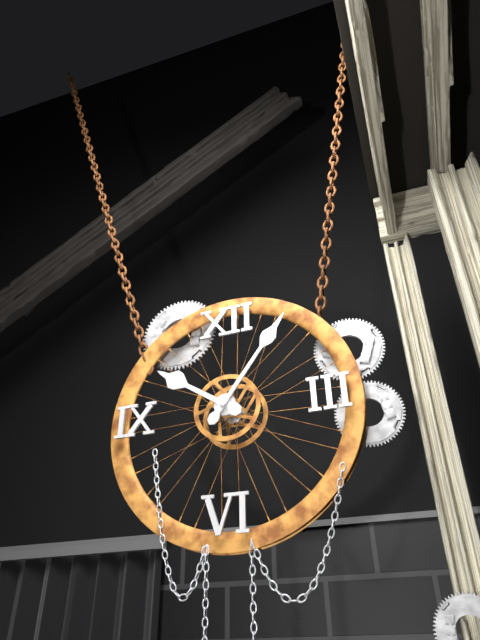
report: 10h06
